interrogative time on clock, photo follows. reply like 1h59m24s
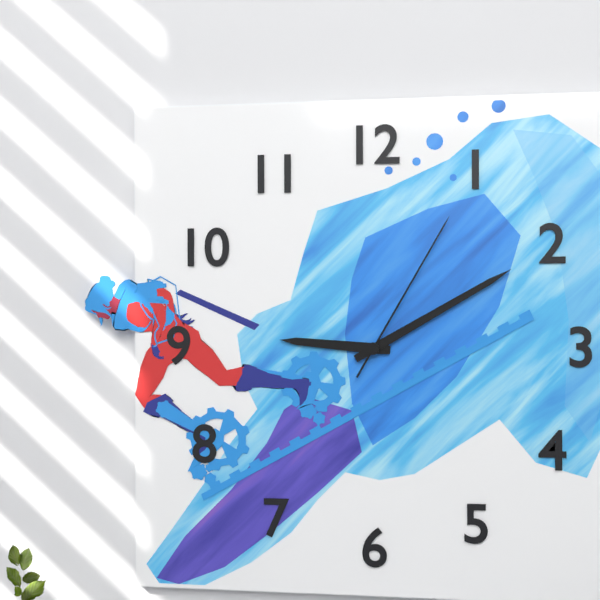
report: 9h10m05s
